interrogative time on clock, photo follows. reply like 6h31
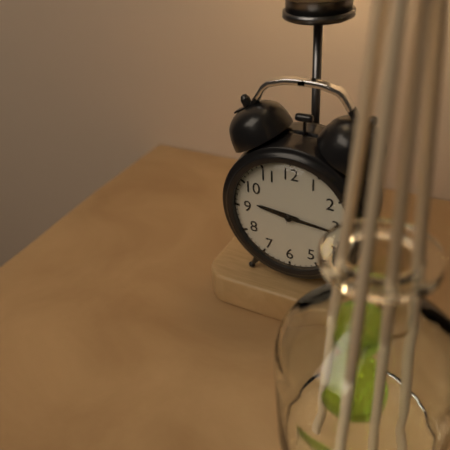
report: 9h16
